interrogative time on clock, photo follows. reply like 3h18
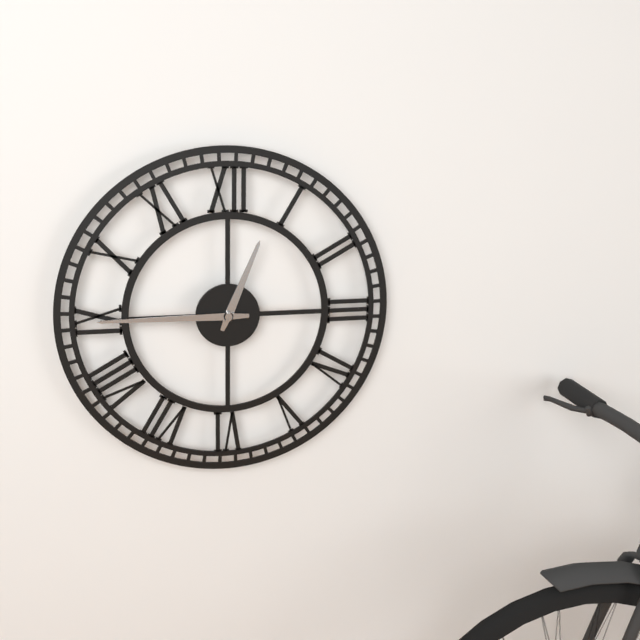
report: 12h45
